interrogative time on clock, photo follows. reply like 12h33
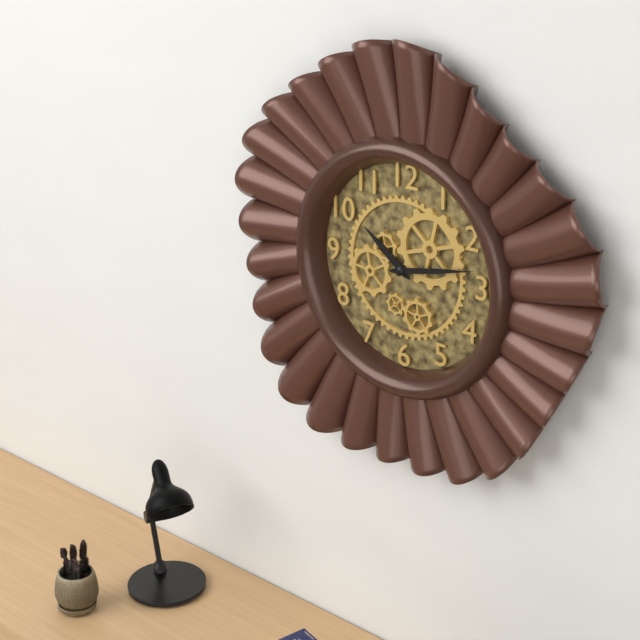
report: 10h13
